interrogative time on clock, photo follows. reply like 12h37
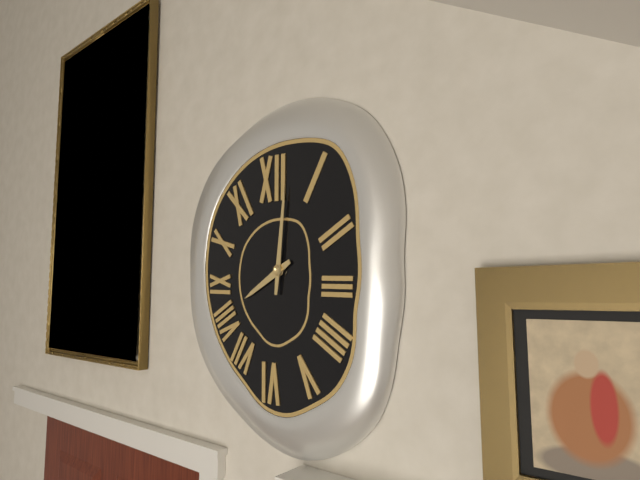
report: 8h01
